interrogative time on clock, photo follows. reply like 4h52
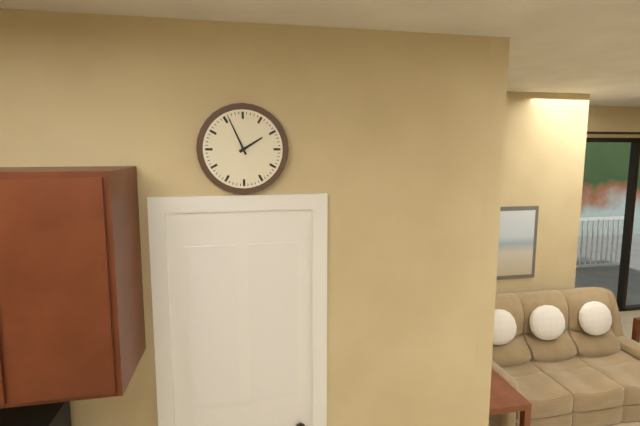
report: 1h56
